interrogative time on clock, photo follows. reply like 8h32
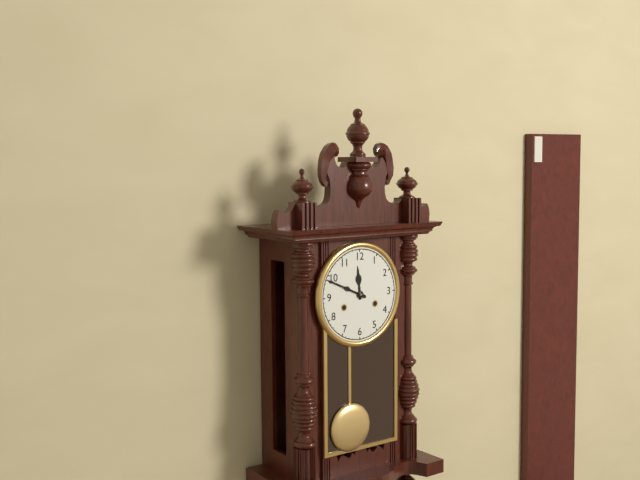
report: 11h49
